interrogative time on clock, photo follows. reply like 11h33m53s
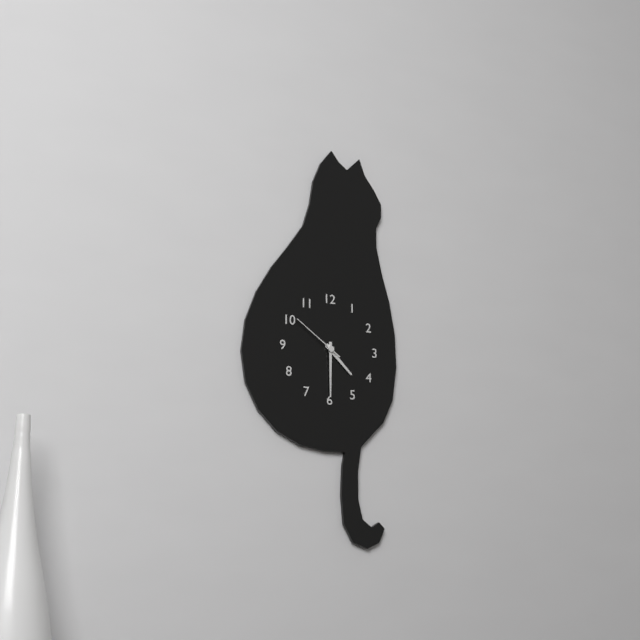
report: 4h30m51s
